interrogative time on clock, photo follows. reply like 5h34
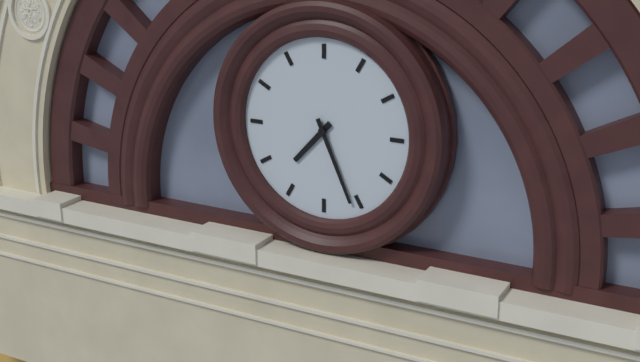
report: 7h26
